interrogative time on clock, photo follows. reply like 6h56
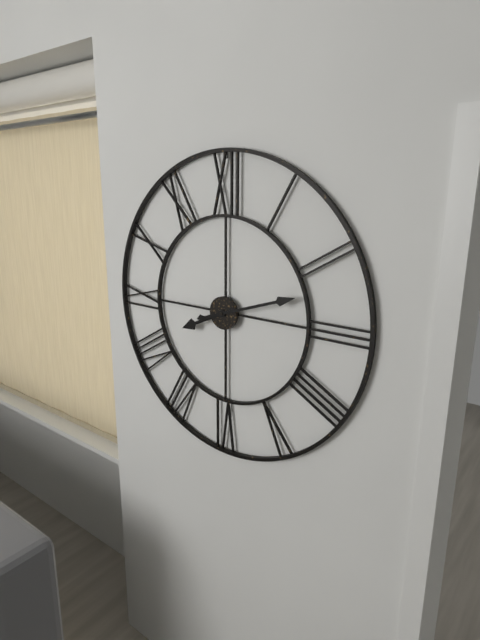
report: 8h12
